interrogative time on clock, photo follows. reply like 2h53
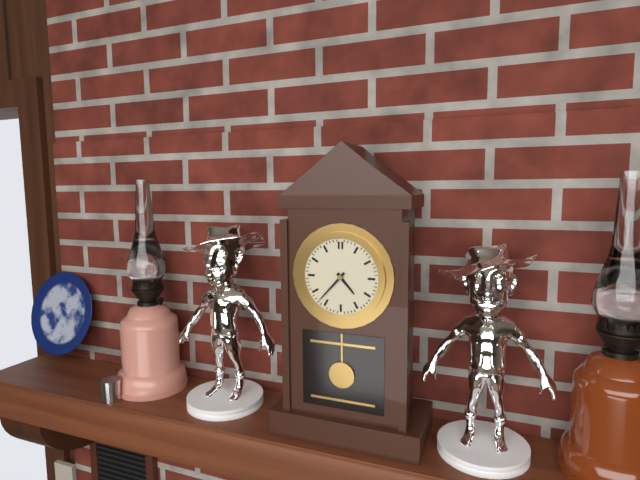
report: 4h37
